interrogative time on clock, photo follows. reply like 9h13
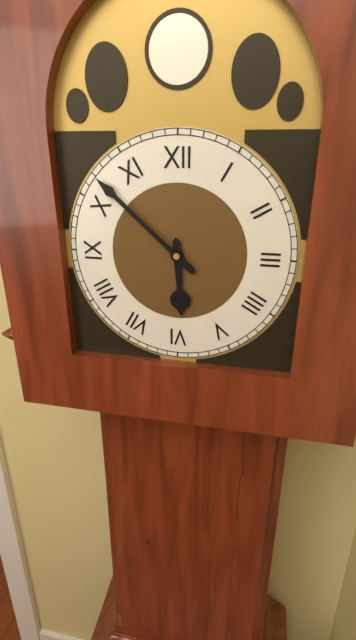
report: 5h52
